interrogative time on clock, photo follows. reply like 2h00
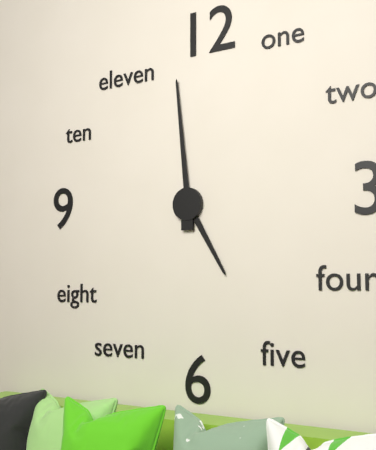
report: 4h59
